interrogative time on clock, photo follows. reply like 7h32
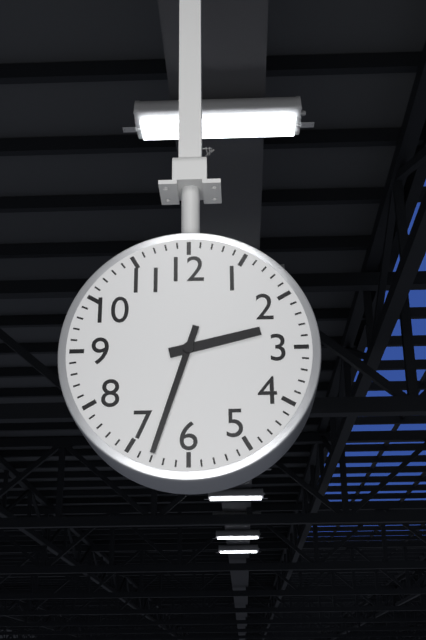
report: 2h33
